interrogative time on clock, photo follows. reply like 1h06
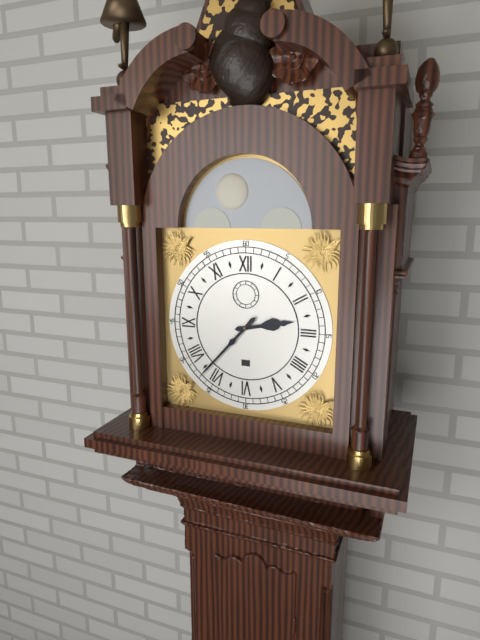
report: 2h37
